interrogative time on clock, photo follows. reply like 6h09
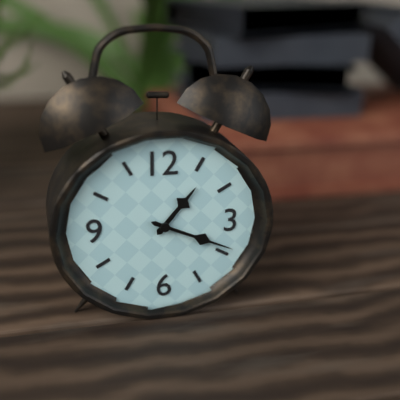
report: 1h19
